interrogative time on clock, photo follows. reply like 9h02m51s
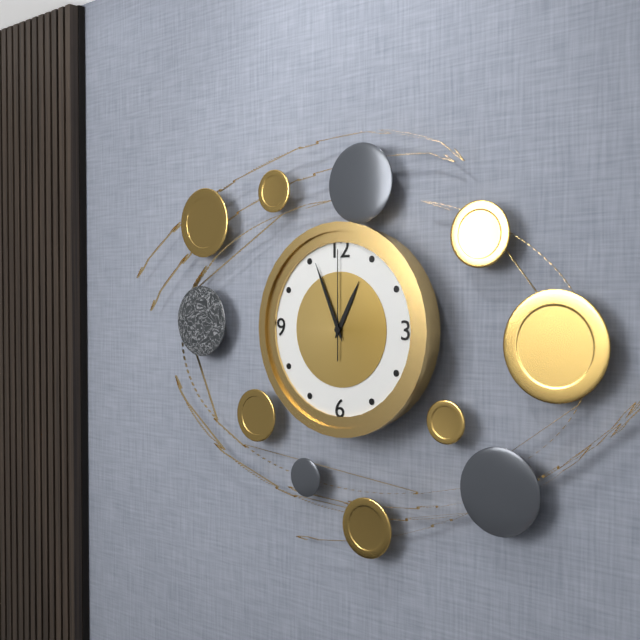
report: 12h56m00s
